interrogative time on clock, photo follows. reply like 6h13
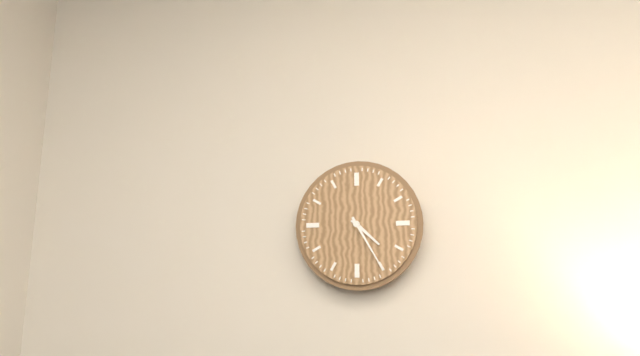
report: 4h25
